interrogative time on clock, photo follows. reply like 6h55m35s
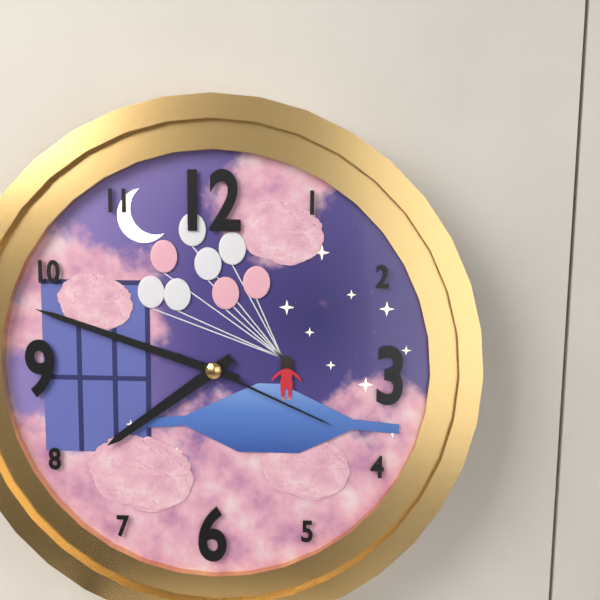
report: 7h48m19s
